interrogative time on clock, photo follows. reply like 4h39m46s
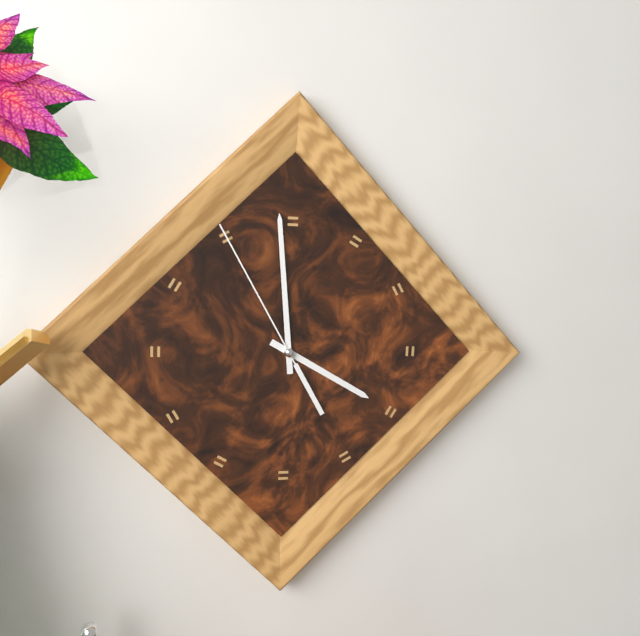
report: 3h59m55s
